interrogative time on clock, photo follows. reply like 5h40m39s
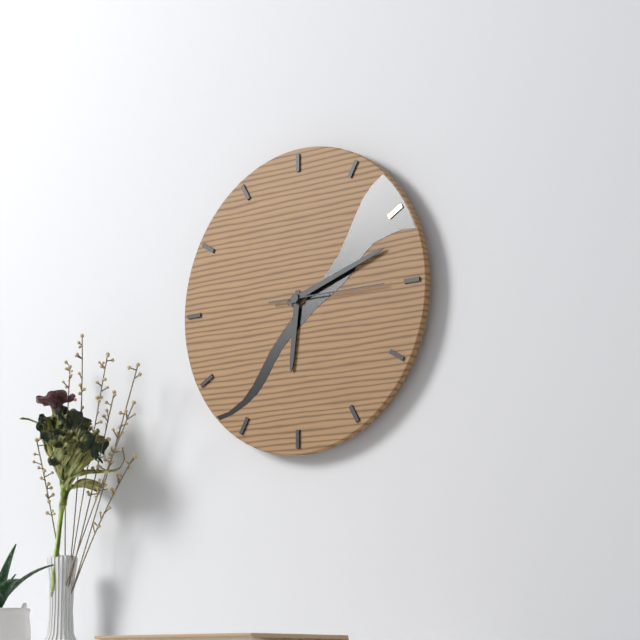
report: 6h12m15s
